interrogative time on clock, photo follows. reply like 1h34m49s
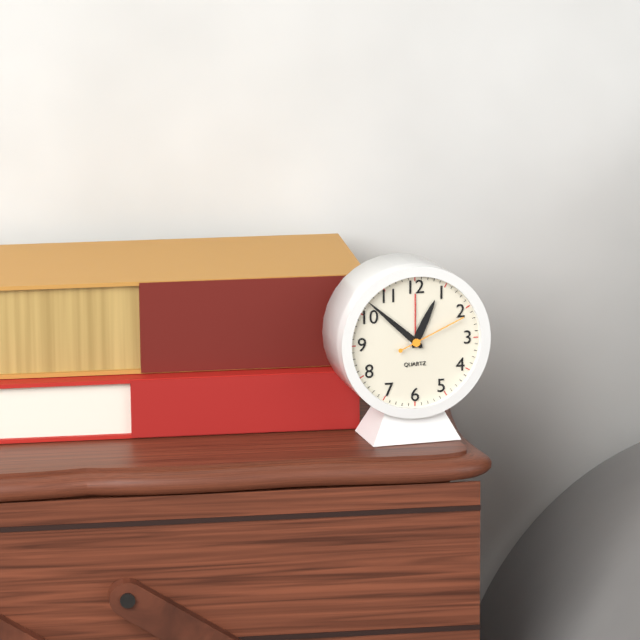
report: 12h52m11s
